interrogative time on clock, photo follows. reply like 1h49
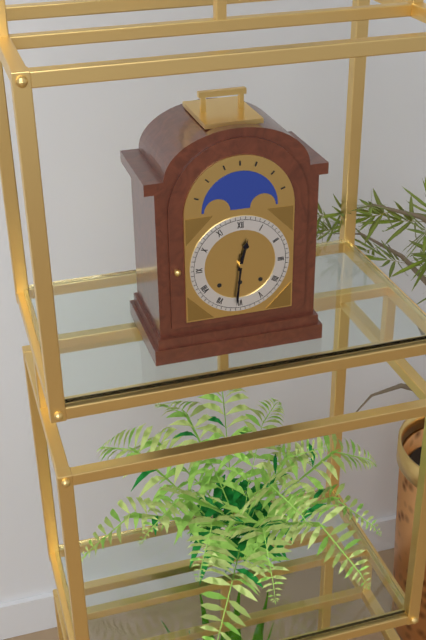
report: 12h31
